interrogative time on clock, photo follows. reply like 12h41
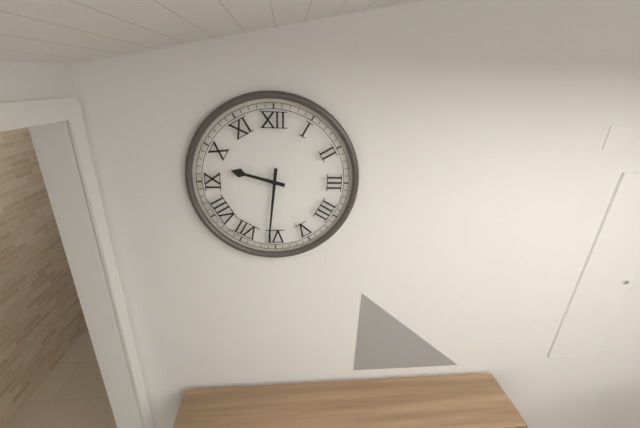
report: 9h31
